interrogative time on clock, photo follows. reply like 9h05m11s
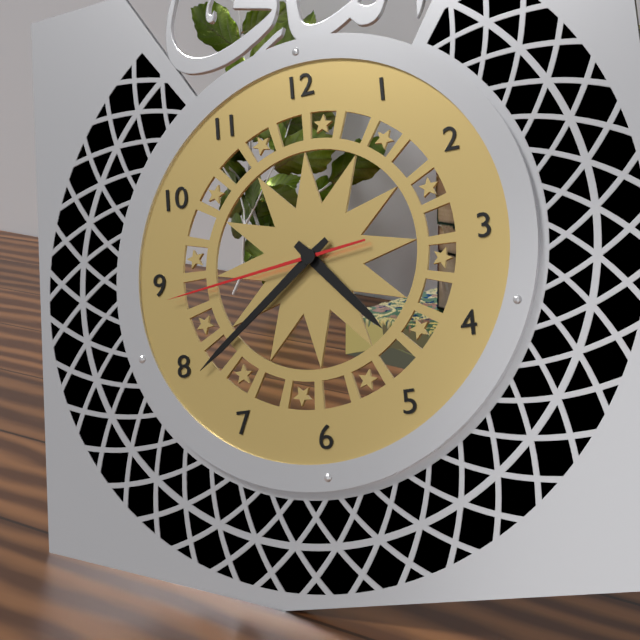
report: 4h39m44s
